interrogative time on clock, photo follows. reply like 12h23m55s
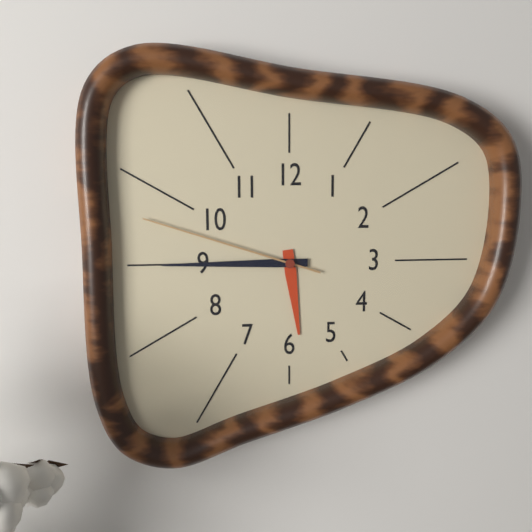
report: 5h45m48s
